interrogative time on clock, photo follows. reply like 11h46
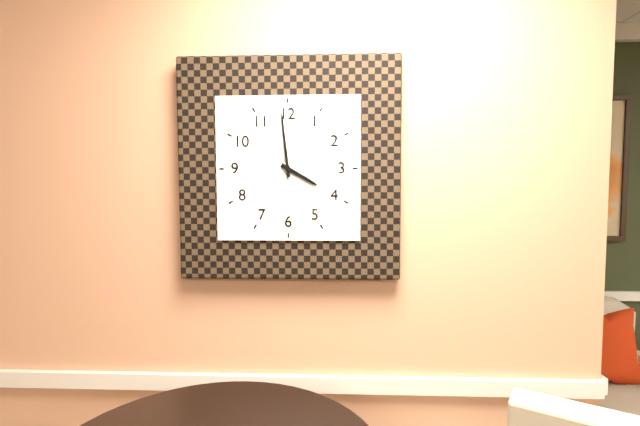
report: 3h59
